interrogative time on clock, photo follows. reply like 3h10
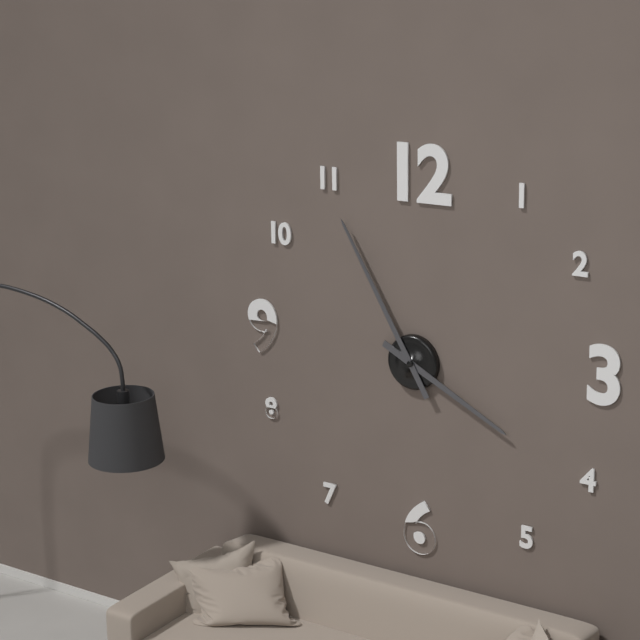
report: 3h55
